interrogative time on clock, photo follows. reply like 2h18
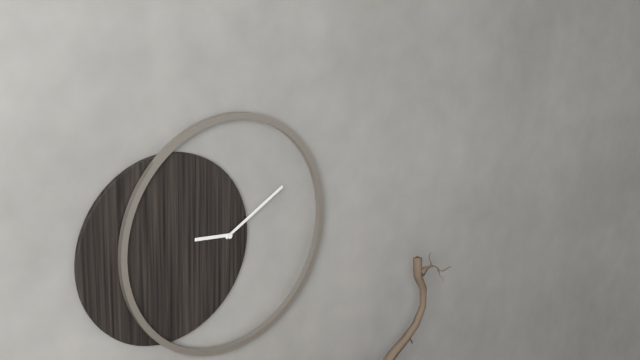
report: 9h10
